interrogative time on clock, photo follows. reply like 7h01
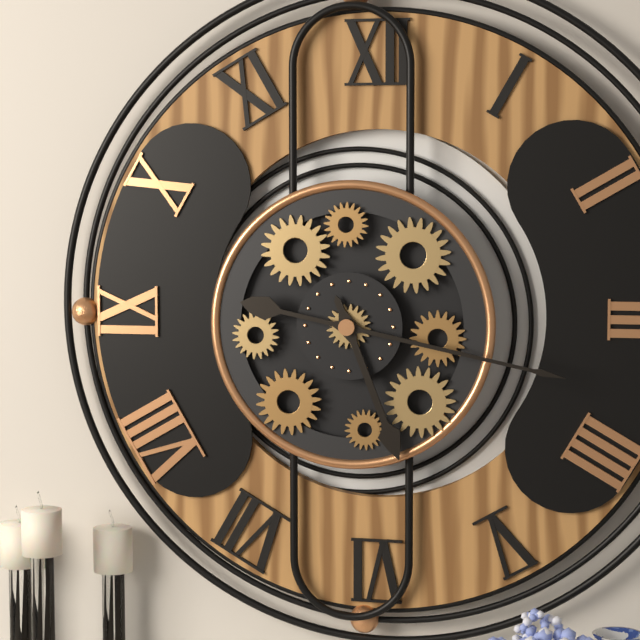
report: 5h17
